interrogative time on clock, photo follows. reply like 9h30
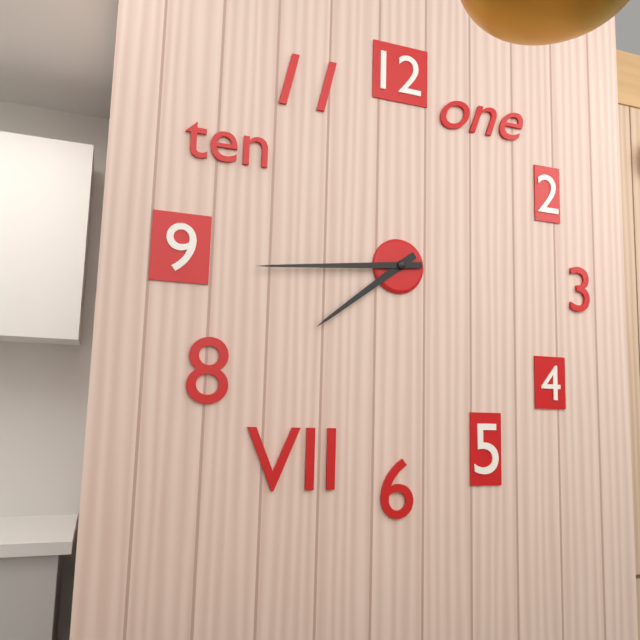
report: 7h44
